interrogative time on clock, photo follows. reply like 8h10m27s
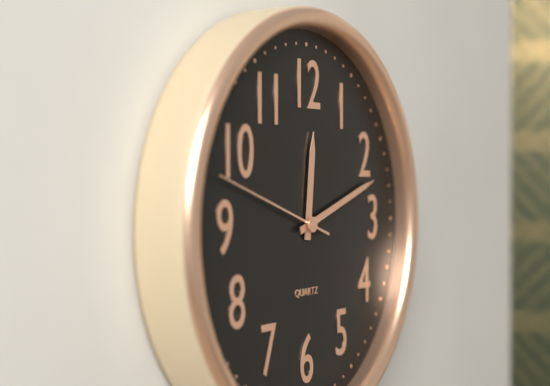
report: 12h12m48s
